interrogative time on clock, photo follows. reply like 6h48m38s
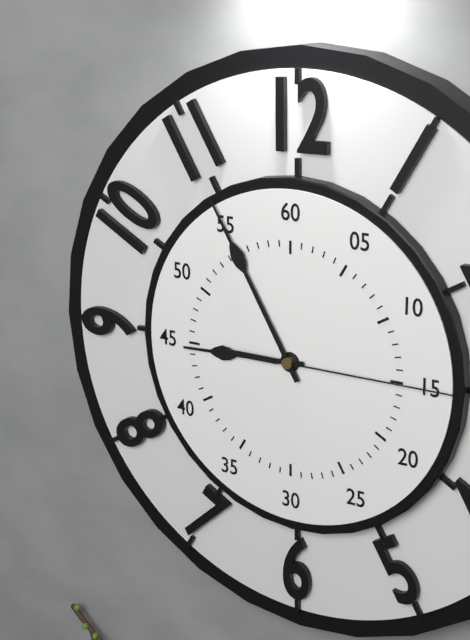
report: 8h55m15s
